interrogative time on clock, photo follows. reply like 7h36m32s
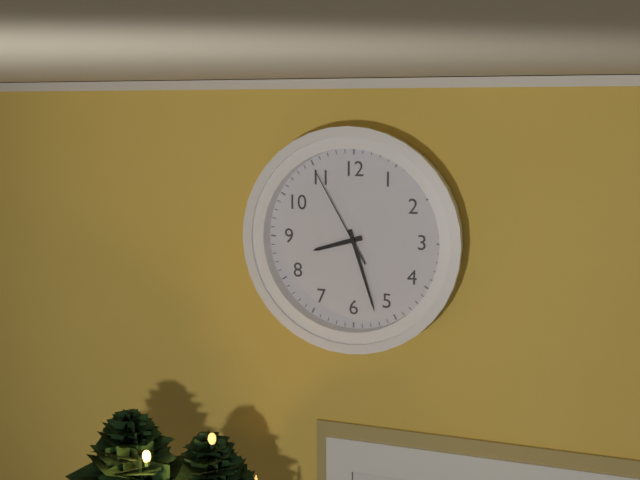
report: 8h27m55s
